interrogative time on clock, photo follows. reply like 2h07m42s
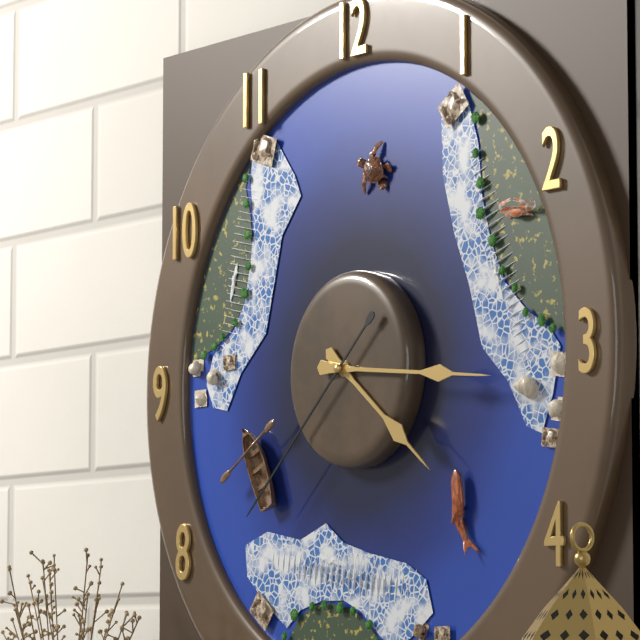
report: 4h16m38s
